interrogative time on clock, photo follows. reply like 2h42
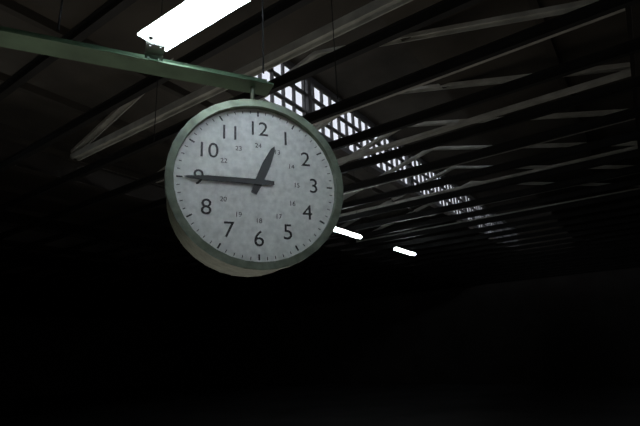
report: 12h45
